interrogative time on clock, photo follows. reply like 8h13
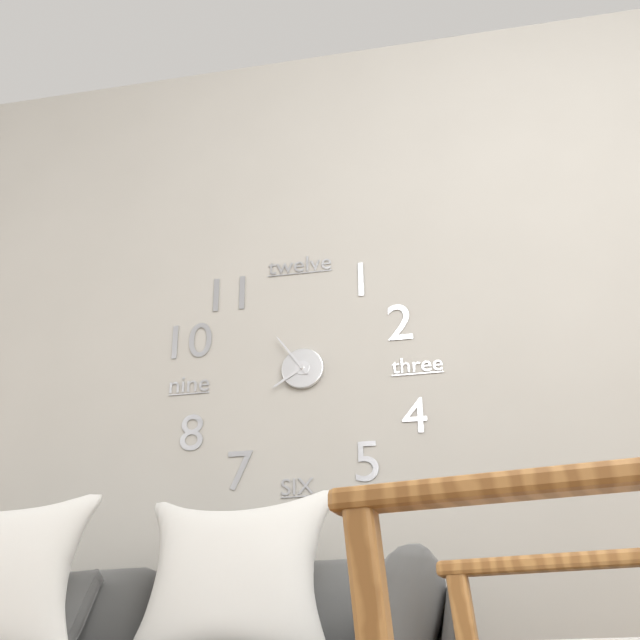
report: 7h54
